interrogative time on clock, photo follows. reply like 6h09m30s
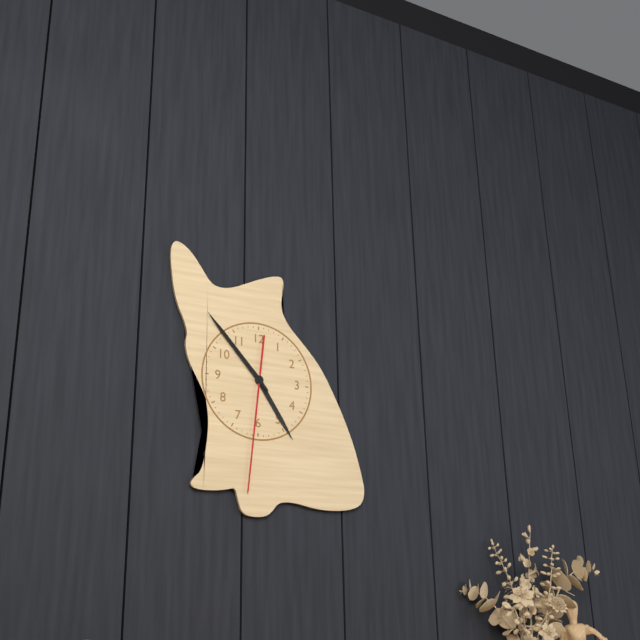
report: 4h53m31s
